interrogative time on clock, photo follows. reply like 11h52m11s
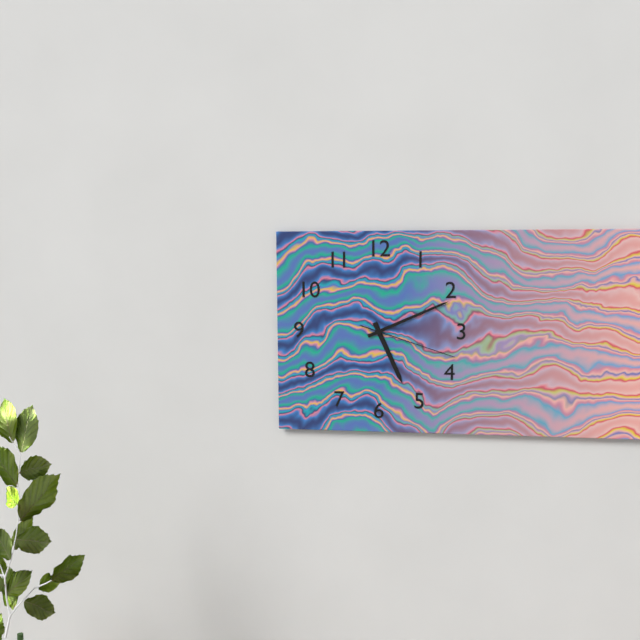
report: 5h11m18s
